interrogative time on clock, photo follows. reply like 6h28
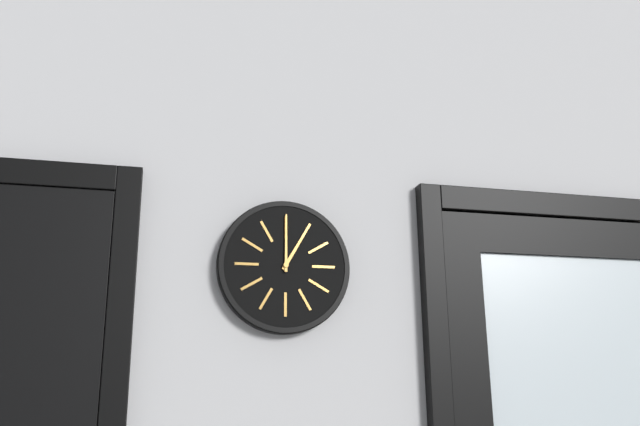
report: 1h00
